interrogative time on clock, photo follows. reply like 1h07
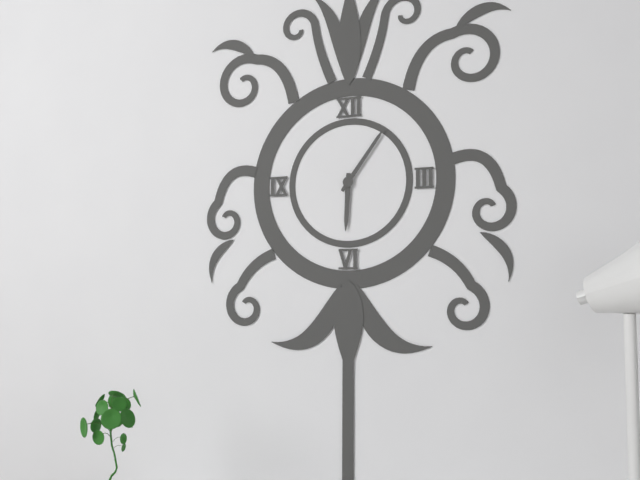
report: 6h06
